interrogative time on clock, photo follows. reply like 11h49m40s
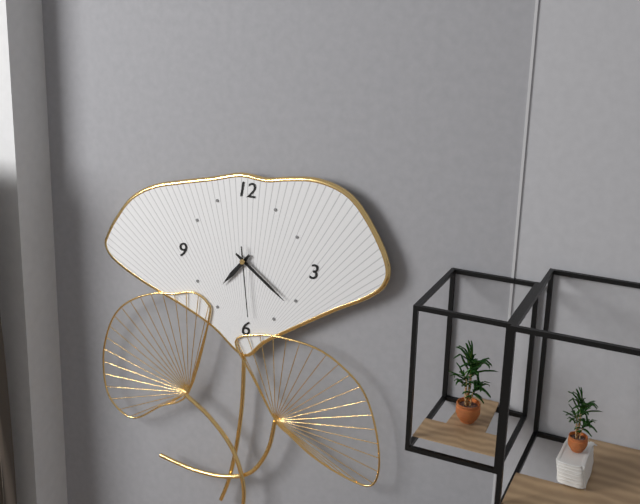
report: 7h21m29s
